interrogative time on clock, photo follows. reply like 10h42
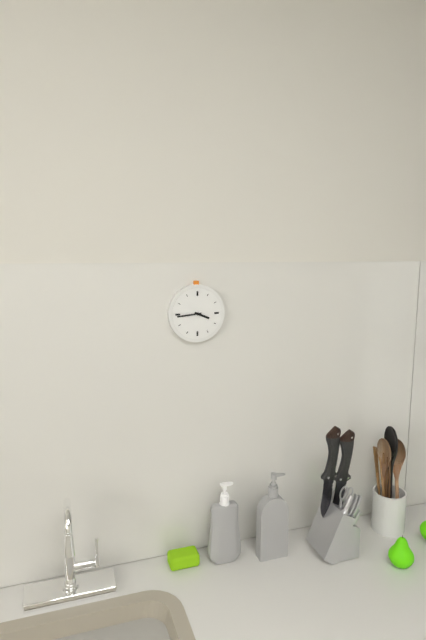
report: 3h44
